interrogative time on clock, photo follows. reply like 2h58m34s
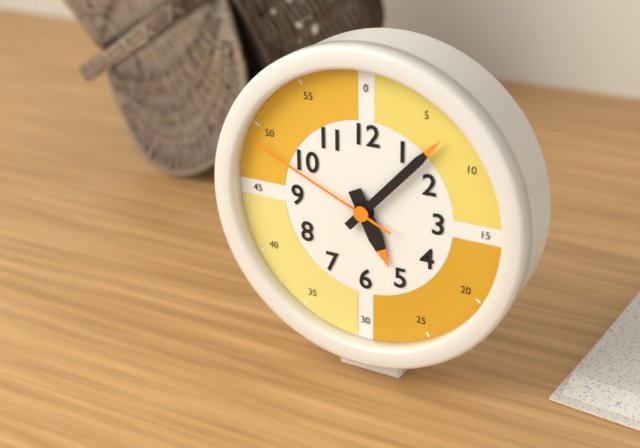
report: 5h07m49s
